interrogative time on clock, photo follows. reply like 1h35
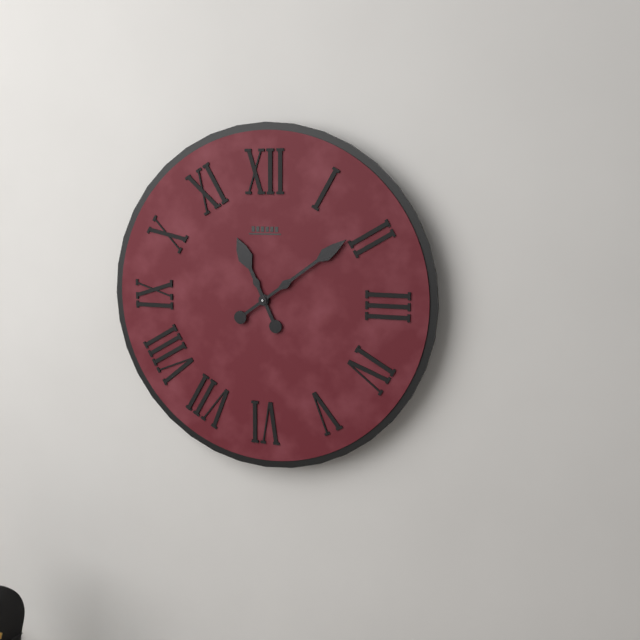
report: 11h09
